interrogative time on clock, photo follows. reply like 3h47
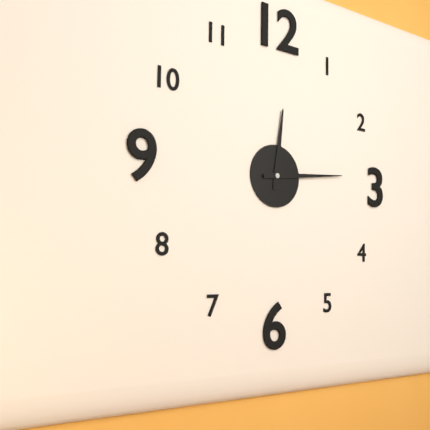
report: 12h14
